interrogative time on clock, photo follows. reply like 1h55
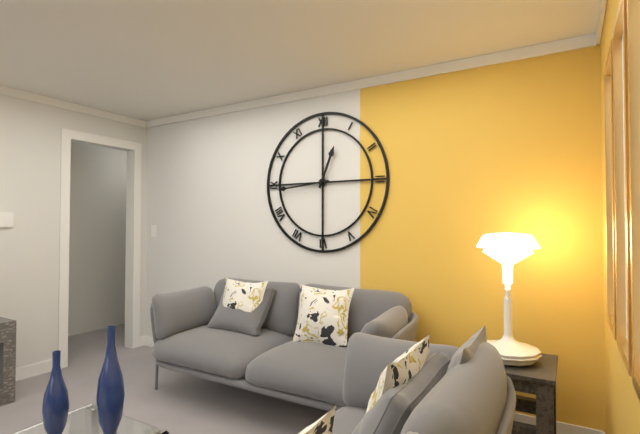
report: 12h44
